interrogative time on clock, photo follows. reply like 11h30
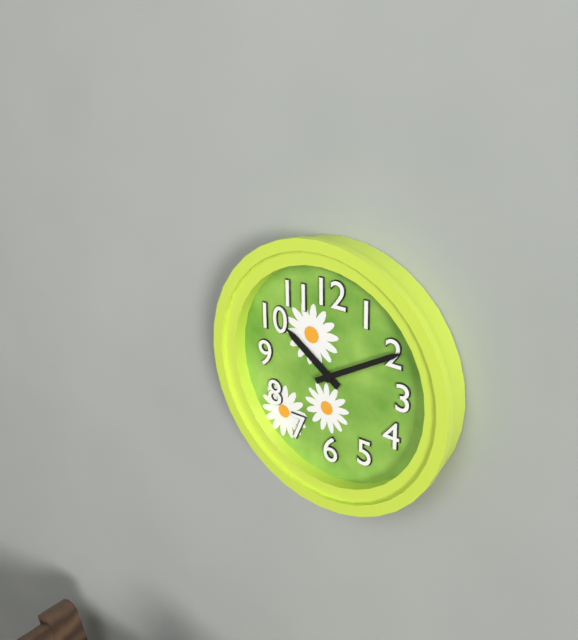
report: 10h10
